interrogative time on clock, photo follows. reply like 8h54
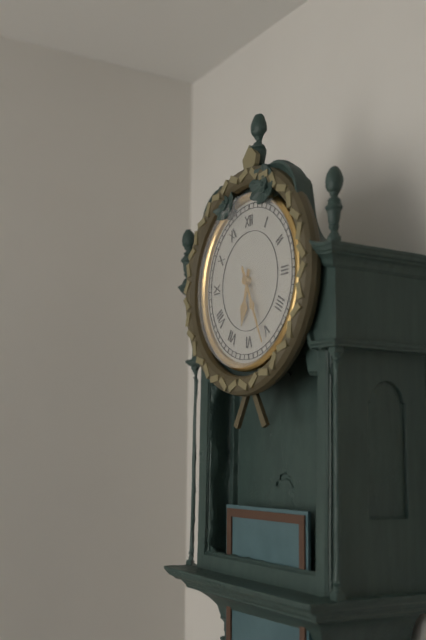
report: 6h26
